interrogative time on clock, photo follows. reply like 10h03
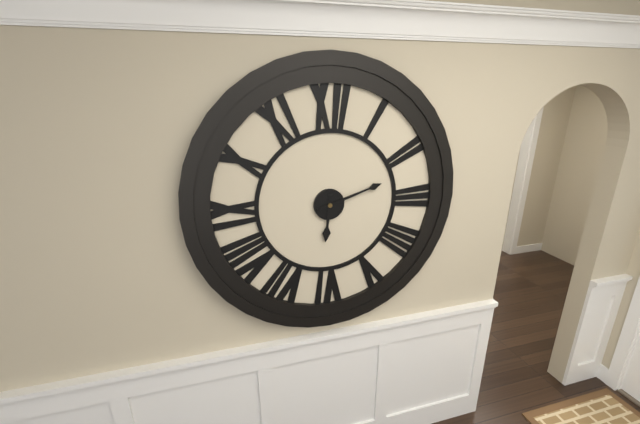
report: 6h12
